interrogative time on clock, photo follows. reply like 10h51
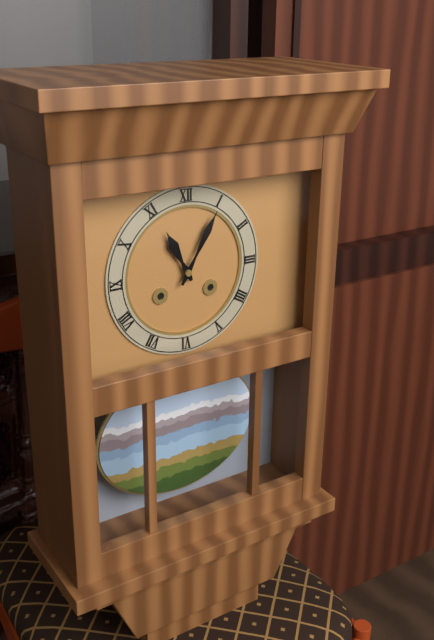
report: 11h05
